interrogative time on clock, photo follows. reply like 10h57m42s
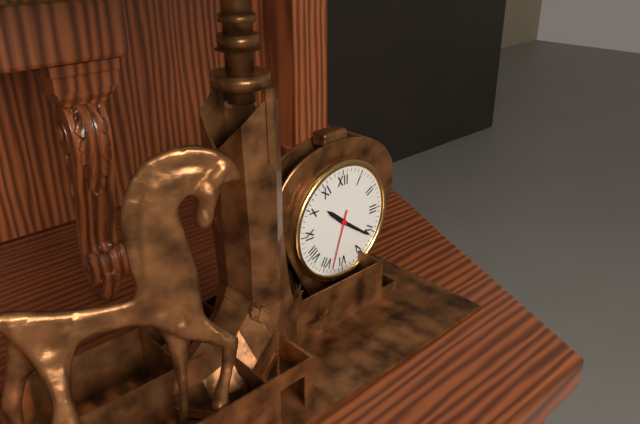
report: 10h21m33s
